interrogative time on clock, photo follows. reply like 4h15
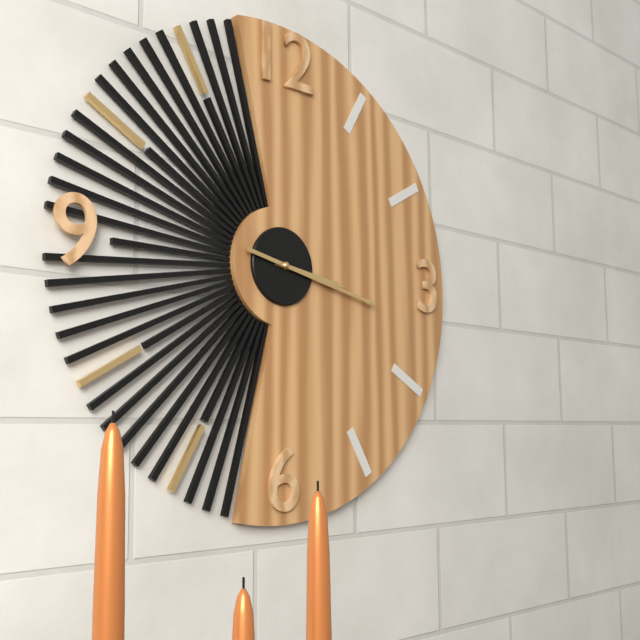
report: 3h17
